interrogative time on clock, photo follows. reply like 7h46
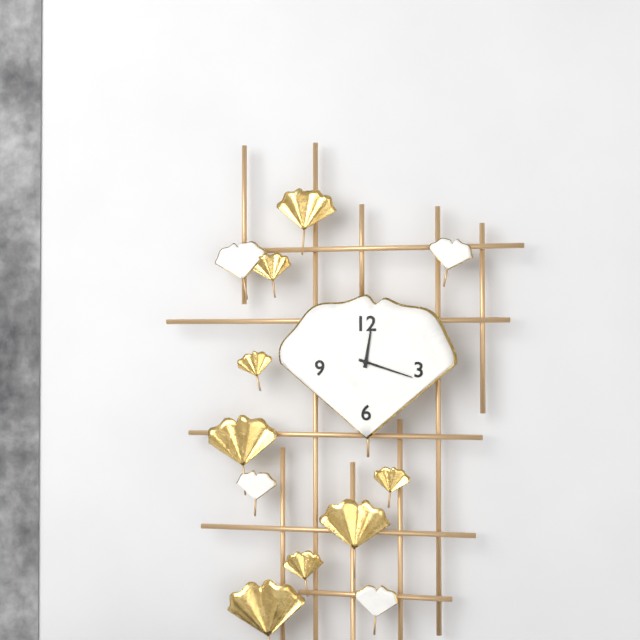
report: 12h18
